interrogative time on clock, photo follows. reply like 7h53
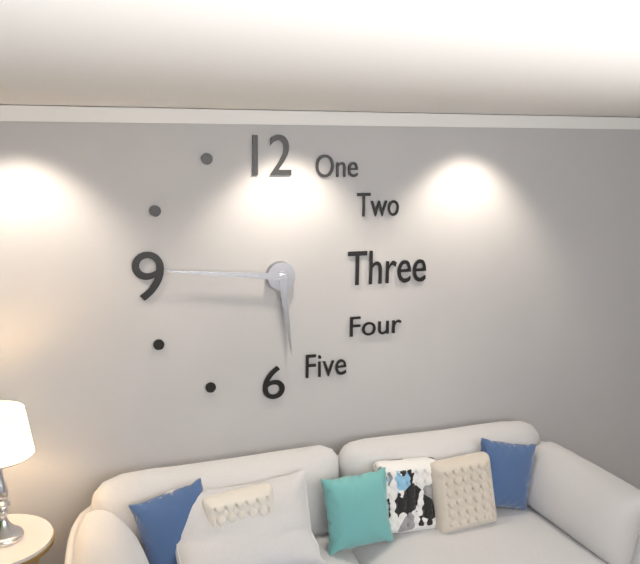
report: 5h46
